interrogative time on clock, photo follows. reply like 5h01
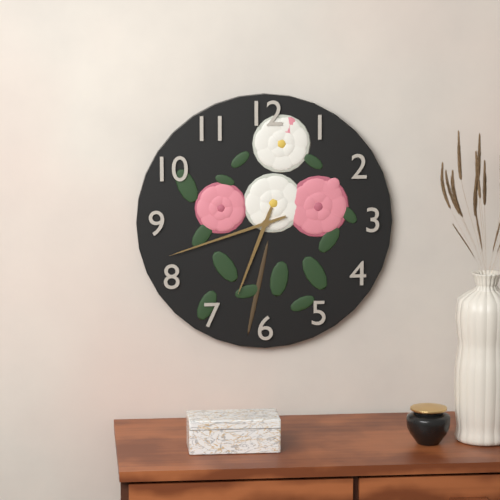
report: 6h42
